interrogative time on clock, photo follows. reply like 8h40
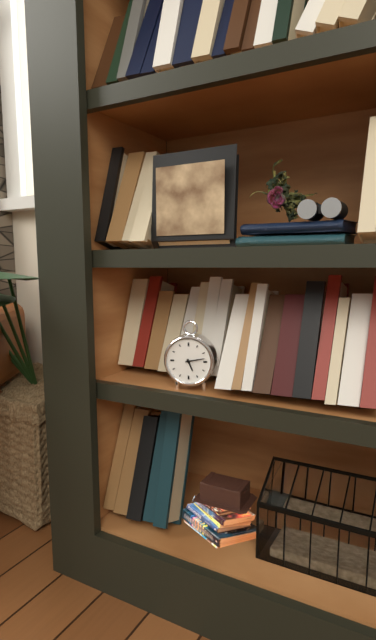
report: 5h13
